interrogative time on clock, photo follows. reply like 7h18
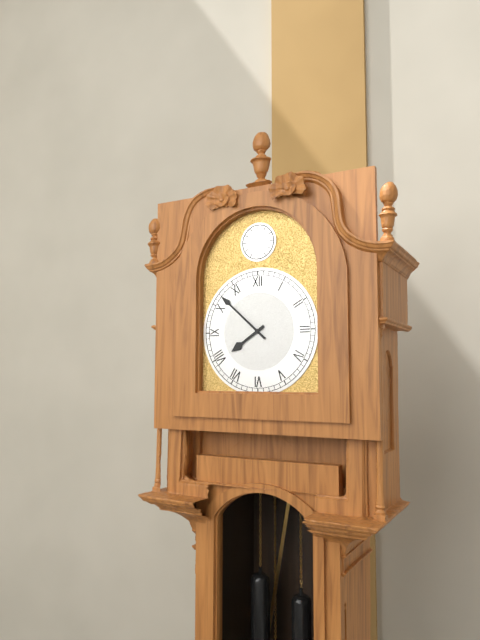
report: 7h52
